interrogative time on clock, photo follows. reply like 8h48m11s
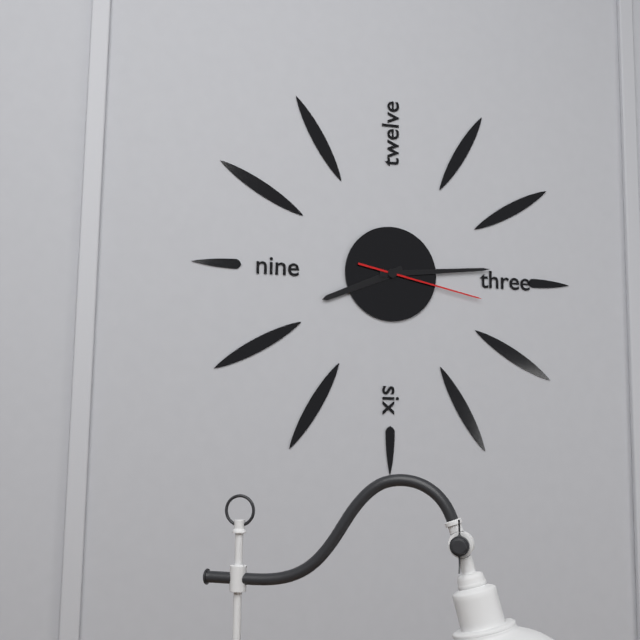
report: 8h14m17s
